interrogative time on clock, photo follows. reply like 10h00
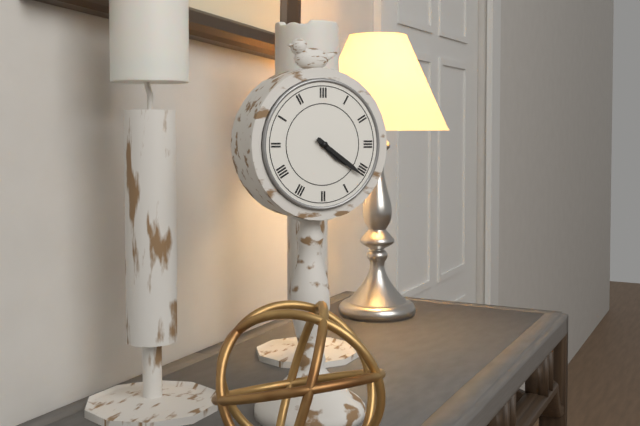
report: 4h21
